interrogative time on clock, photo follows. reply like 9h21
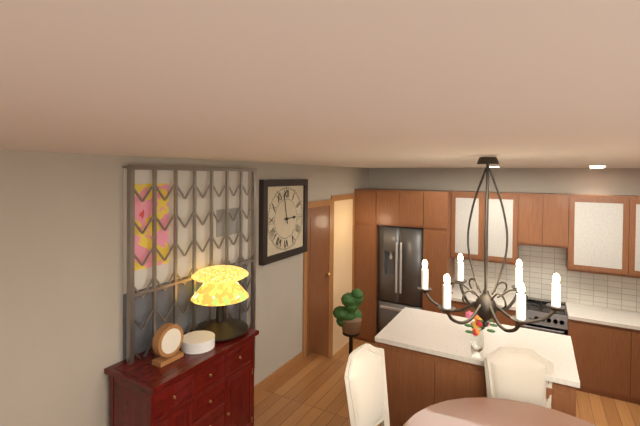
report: 2h58
